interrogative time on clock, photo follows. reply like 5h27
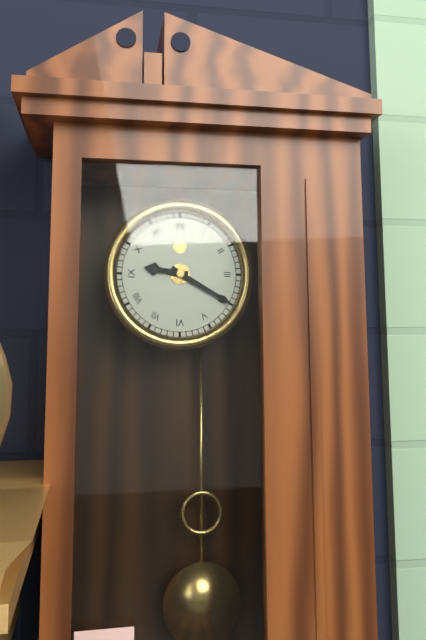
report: 9h20
